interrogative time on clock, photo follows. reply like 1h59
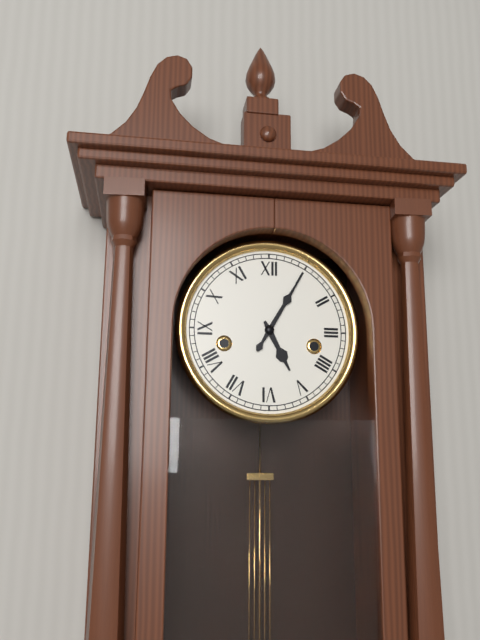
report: 5h05
